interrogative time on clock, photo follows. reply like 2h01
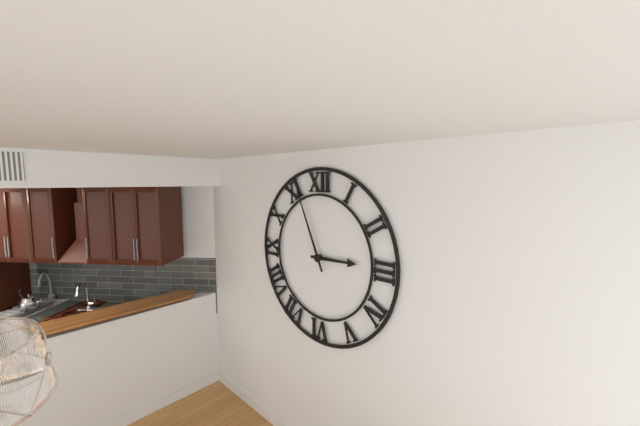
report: 2h56
